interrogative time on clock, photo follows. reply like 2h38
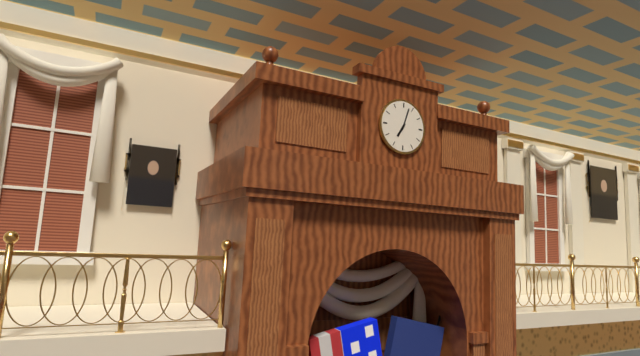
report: 7h03
